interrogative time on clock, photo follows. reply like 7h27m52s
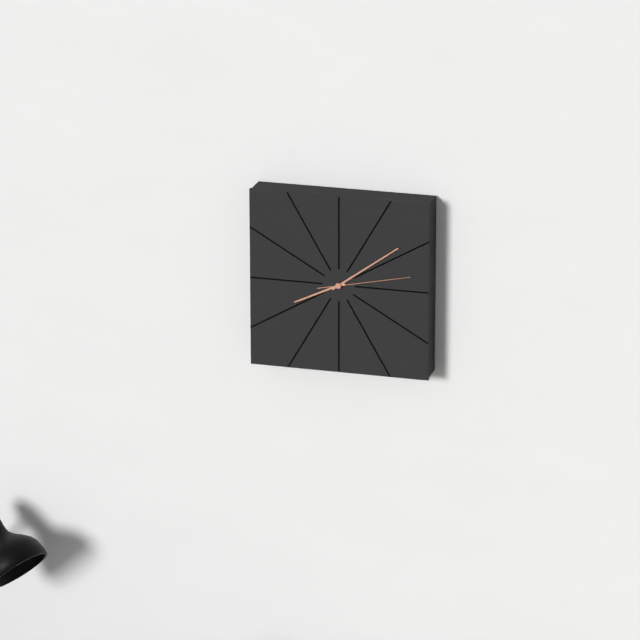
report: 8h09m13s
